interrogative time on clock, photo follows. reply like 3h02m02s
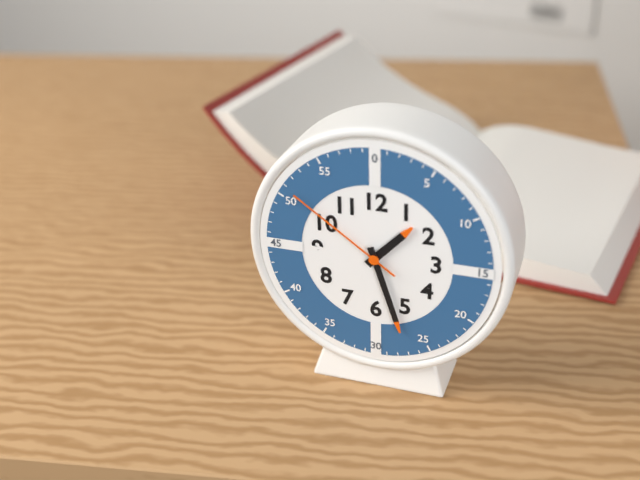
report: 1h27m51s
